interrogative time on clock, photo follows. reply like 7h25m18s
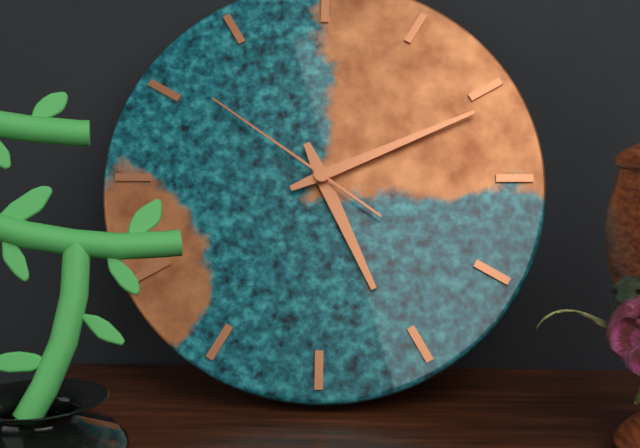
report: 5h11m51s
